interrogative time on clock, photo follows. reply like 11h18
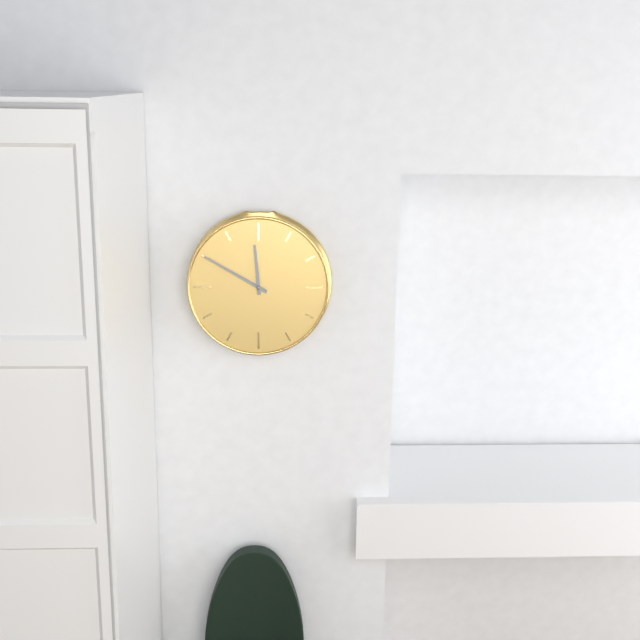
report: 11h50
